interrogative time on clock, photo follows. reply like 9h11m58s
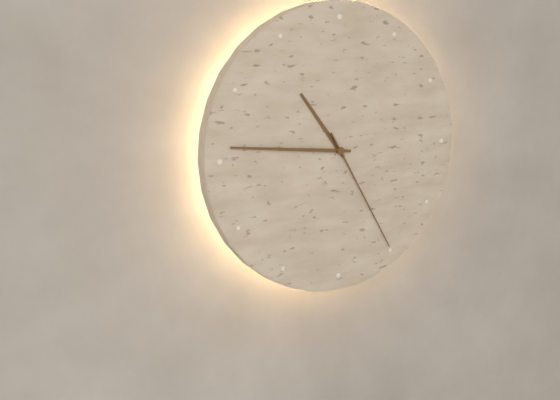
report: 10h46m25s
